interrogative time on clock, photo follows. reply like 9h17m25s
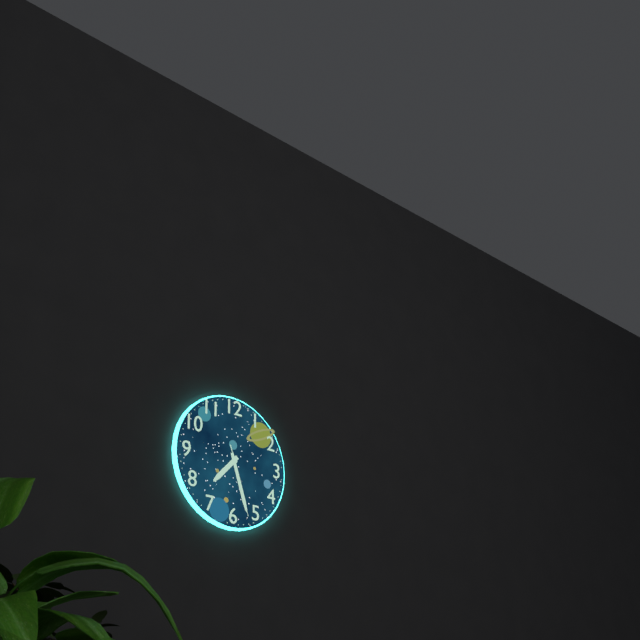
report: 7h27m27s
